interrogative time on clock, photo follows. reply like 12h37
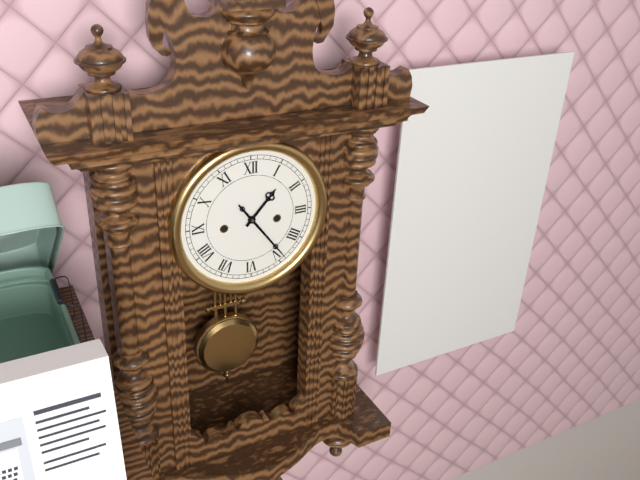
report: 1h24
